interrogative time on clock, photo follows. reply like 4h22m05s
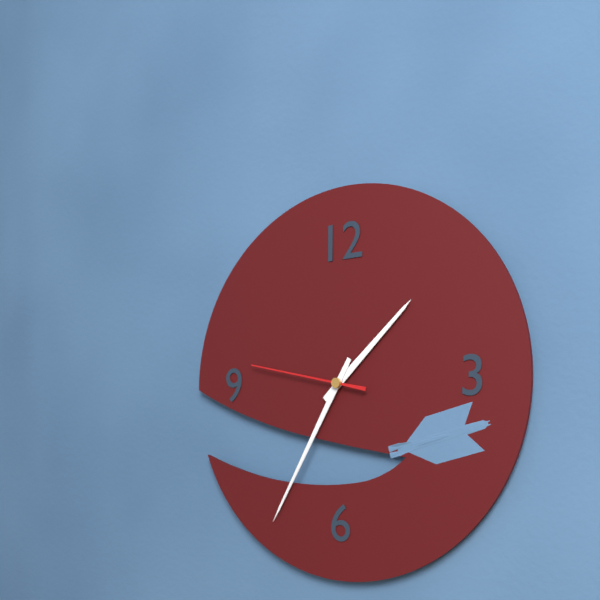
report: 1h35m47s
